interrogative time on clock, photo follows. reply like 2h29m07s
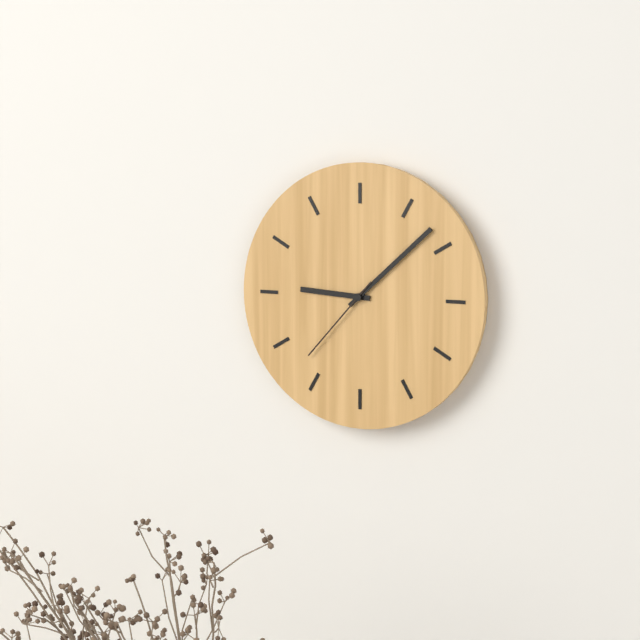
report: 9h08m37s
